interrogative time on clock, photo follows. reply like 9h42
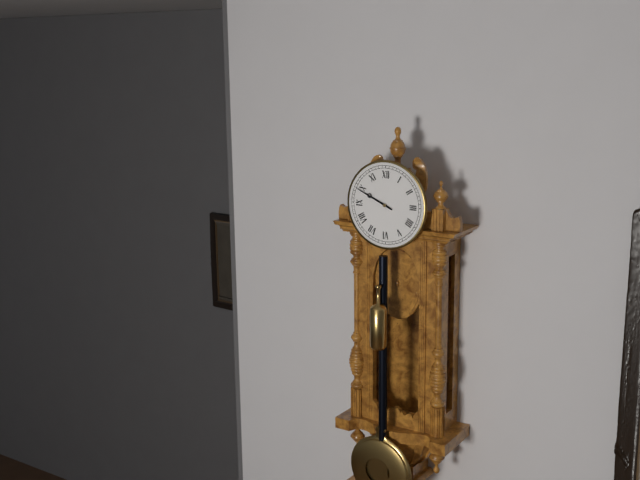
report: 9h49
